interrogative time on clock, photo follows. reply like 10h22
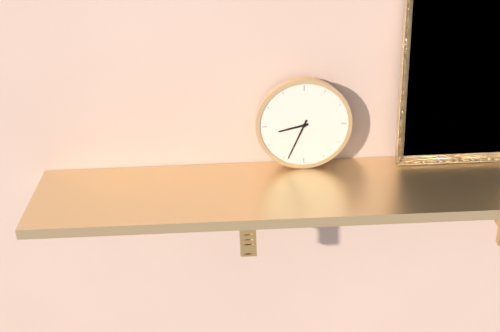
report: 8h34
